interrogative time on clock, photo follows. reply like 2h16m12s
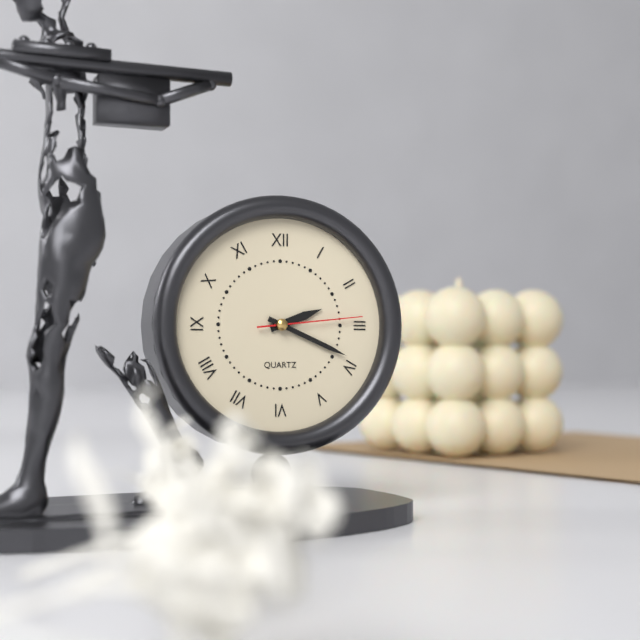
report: 2h19m14s
